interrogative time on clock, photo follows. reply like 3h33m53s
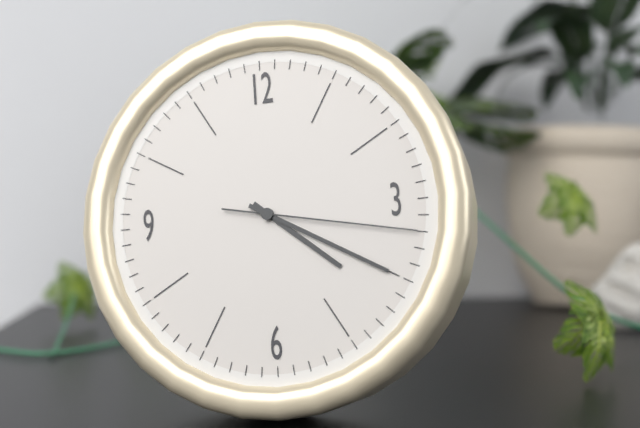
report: 4h20m17s
